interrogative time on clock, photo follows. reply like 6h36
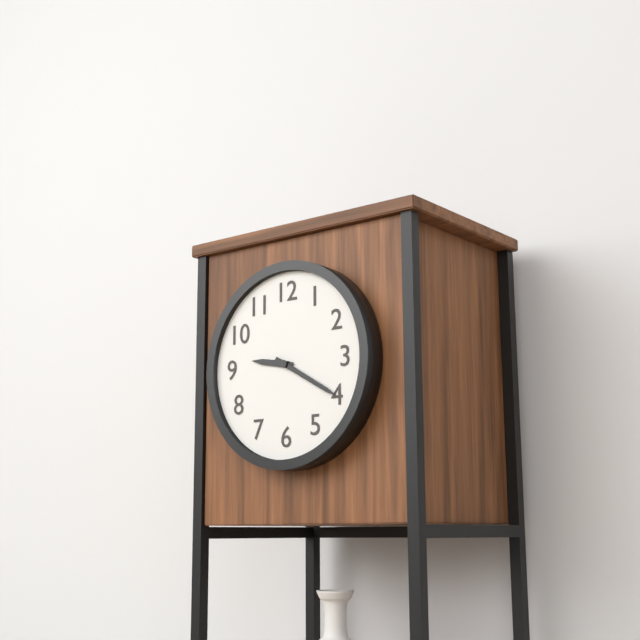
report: 9h20
